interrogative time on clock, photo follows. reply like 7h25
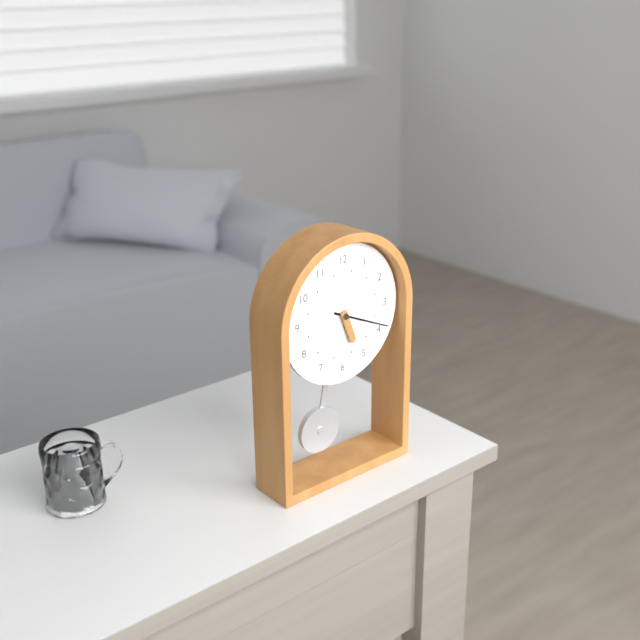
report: 5h19
